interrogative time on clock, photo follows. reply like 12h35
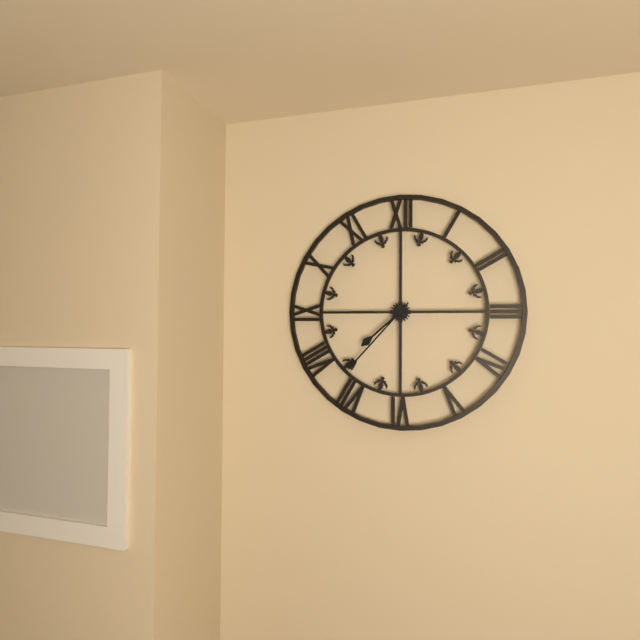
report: 7h37
